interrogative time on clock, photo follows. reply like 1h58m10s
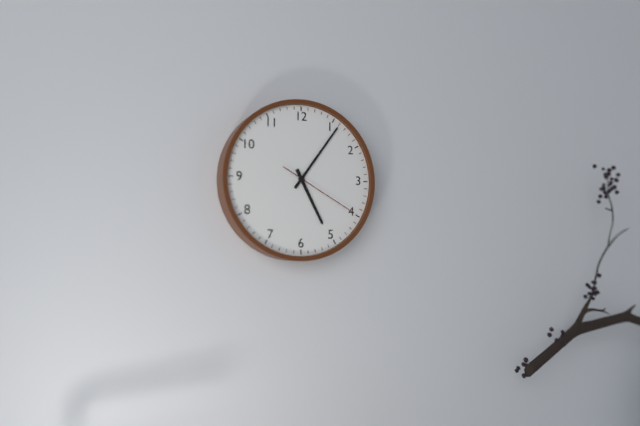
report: 5h06m20s
